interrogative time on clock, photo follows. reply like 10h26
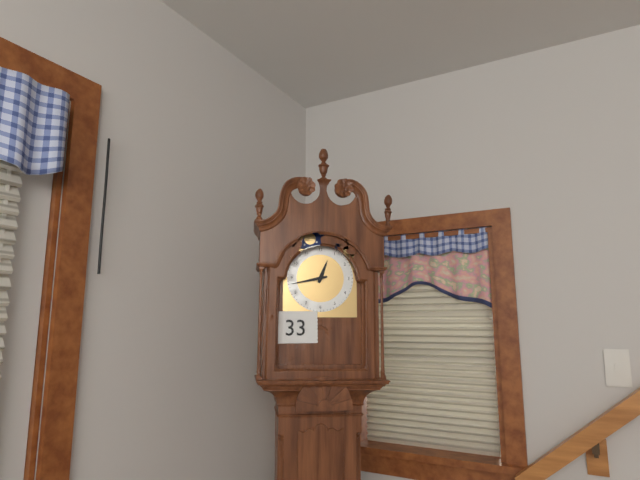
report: 12h43
